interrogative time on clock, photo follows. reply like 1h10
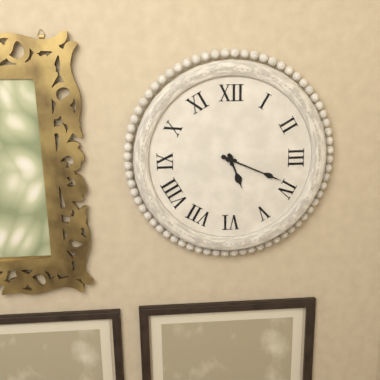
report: 5h19
